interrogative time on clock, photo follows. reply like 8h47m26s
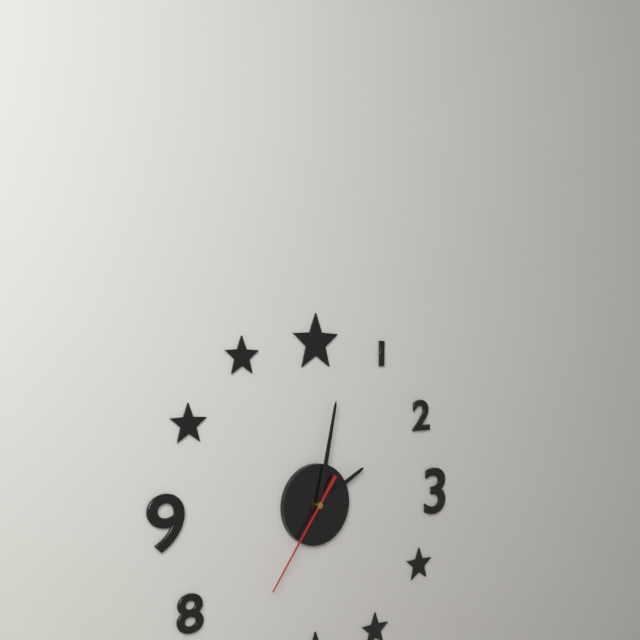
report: 2h02m36s
